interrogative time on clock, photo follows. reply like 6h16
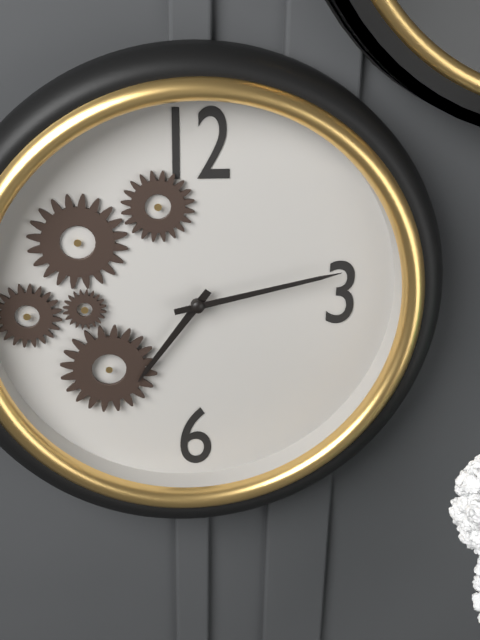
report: 7h13
